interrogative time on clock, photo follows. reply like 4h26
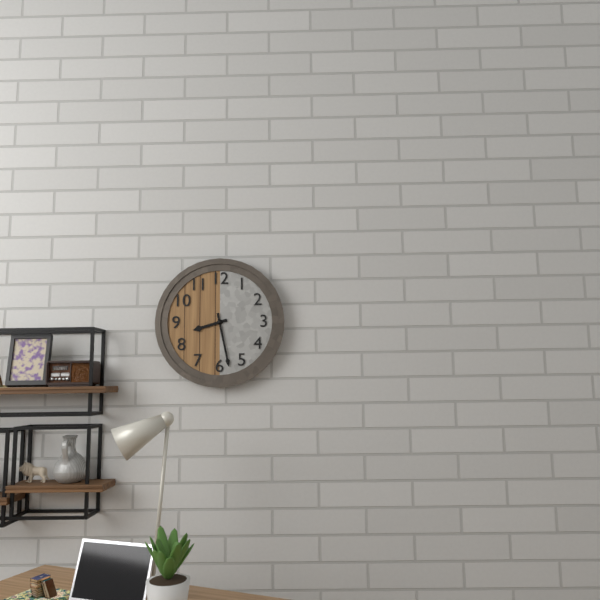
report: 8h28
